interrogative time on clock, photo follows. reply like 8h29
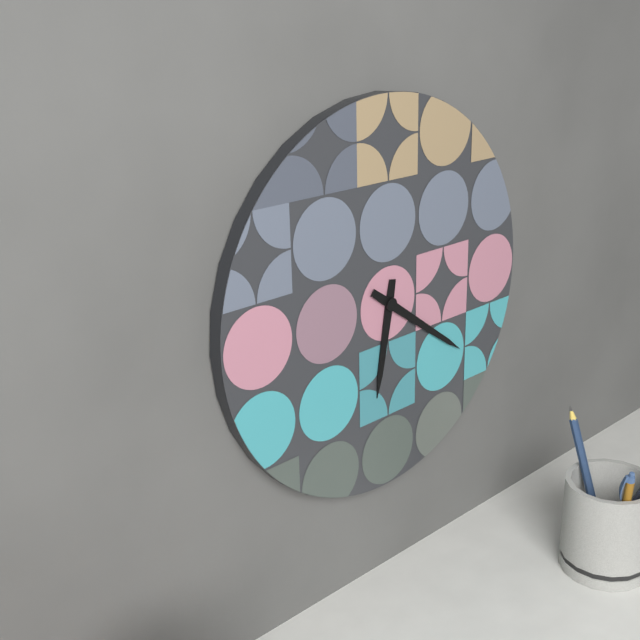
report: 6h21
